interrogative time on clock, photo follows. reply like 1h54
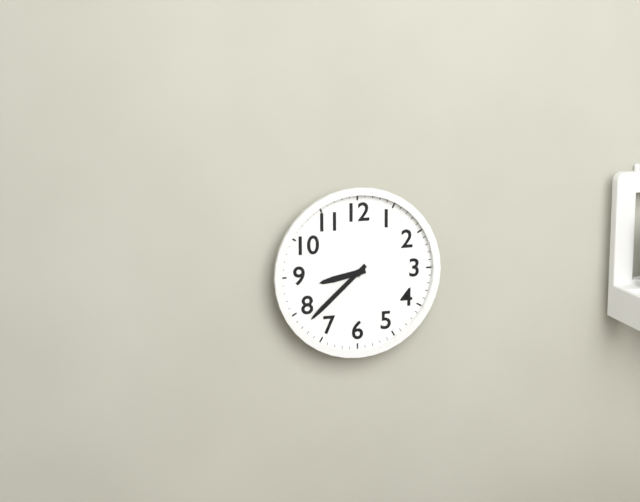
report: 8h38
